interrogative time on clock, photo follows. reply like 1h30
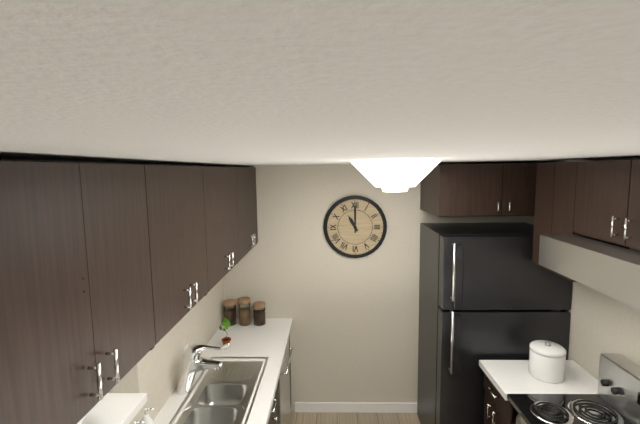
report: 11h00
